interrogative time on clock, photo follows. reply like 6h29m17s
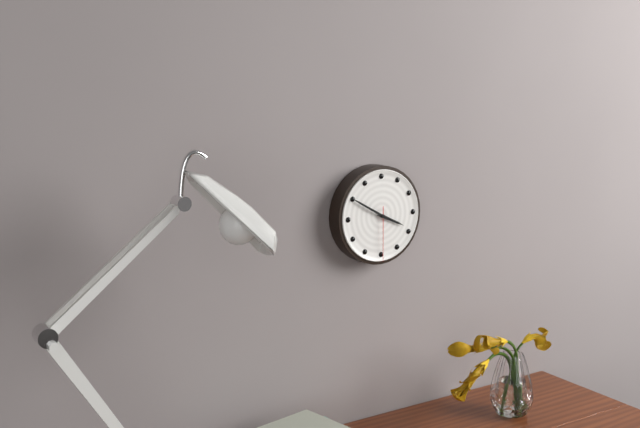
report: 3h50m30s
